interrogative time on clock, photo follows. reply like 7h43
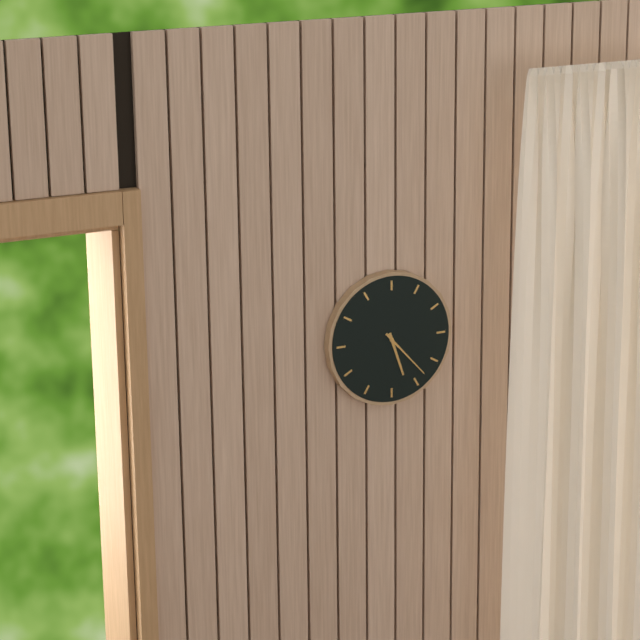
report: 5h23
